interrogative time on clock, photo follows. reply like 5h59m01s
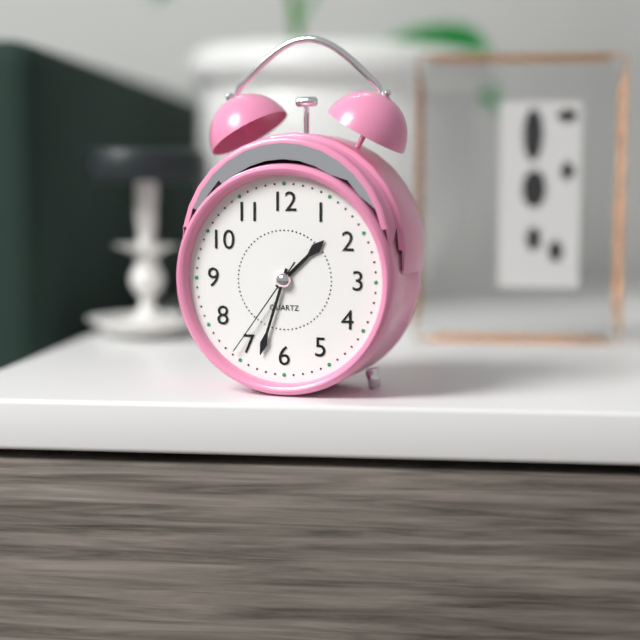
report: 1h33m36s
